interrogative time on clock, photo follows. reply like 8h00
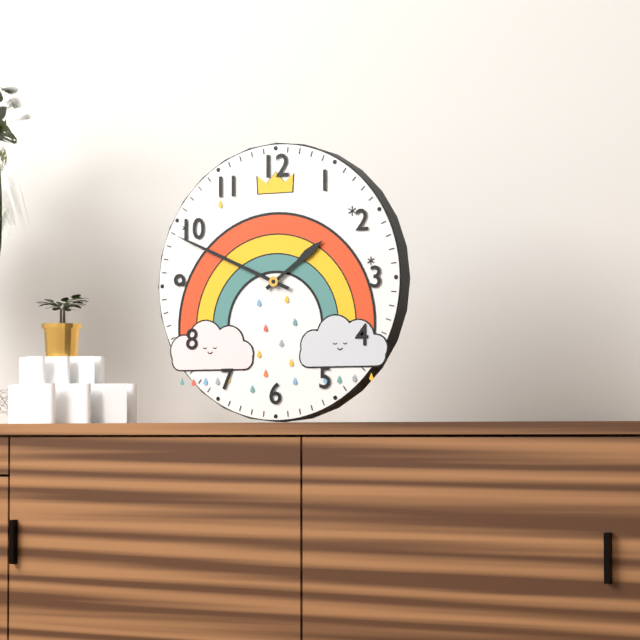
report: 1h49
